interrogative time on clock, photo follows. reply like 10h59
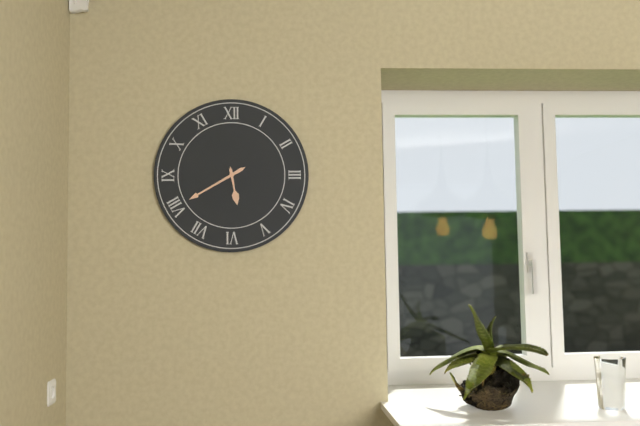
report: 5h40
